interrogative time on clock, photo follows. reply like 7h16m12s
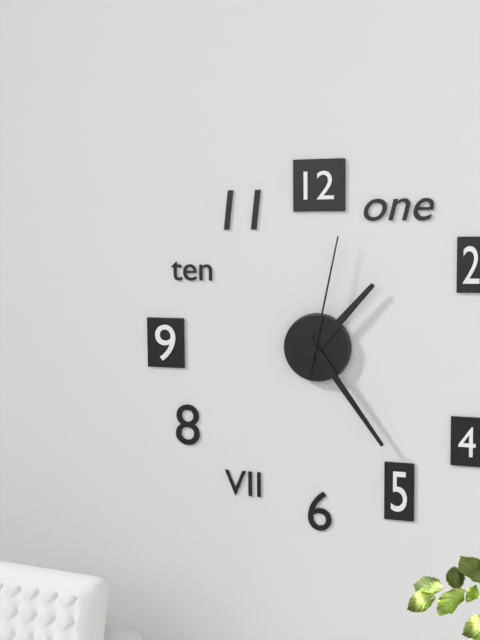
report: 1h24m02s
